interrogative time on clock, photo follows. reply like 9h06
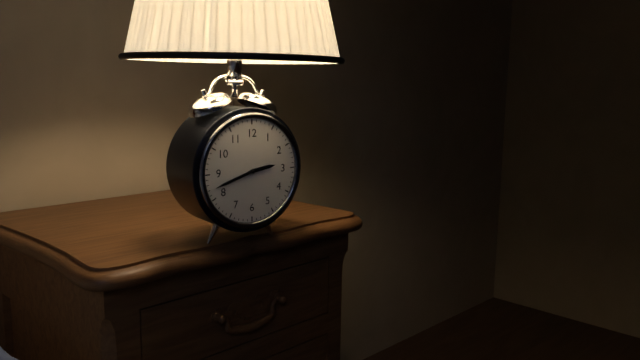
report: 2h42
